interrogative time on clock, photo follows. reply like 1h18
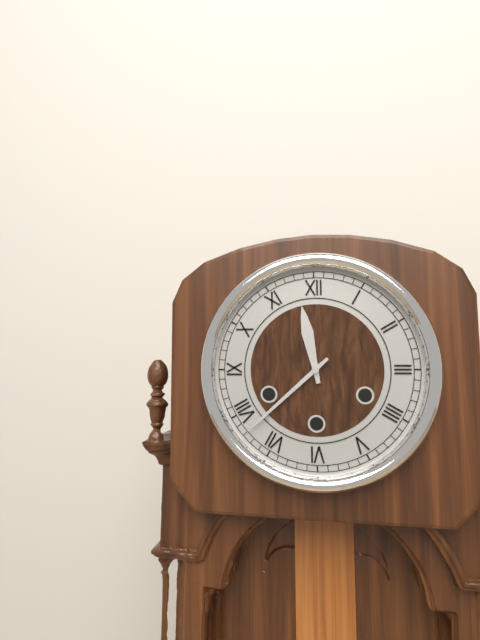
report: 11h38
